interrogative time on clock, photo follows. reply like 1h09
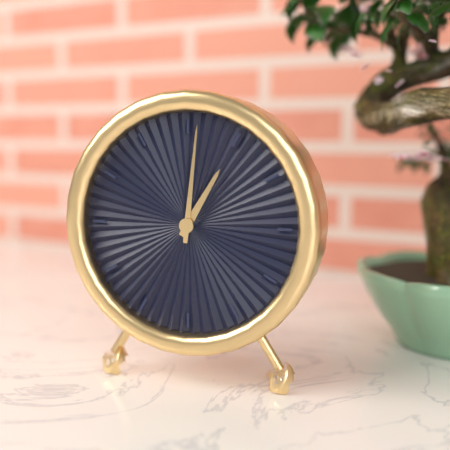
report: 1h01
